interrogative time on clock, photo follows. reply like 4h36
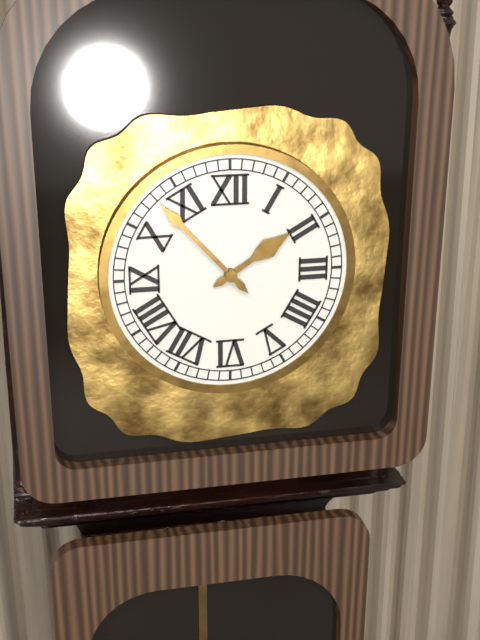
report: 1h53
